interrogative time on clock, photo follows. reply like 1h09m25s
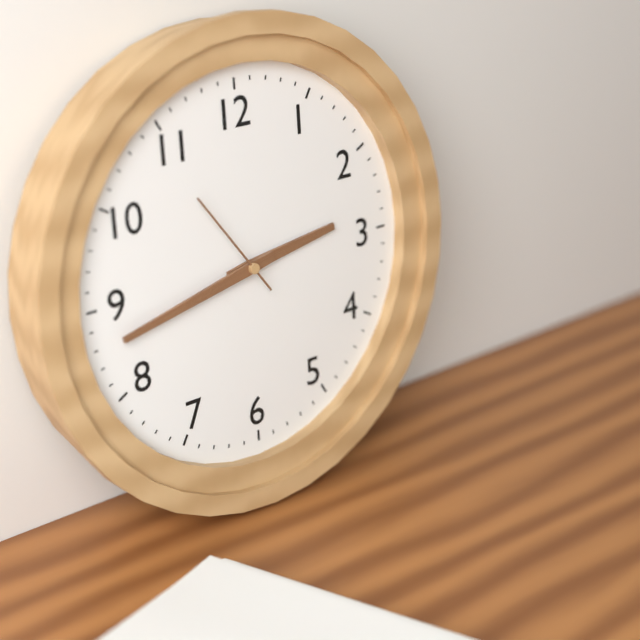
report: 2h43m54s
